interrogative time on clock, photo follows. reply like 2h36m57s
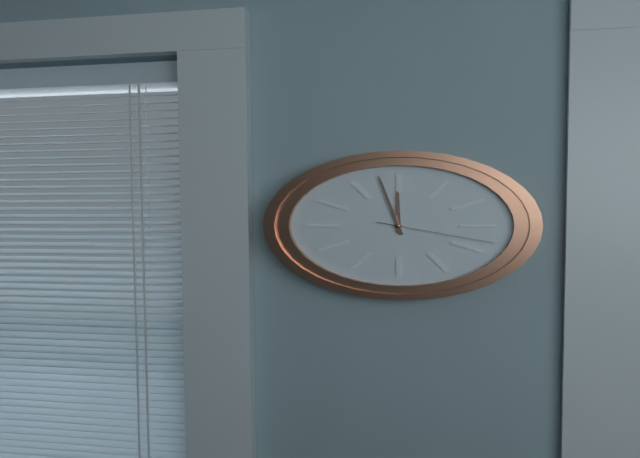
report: 11h58m18s
